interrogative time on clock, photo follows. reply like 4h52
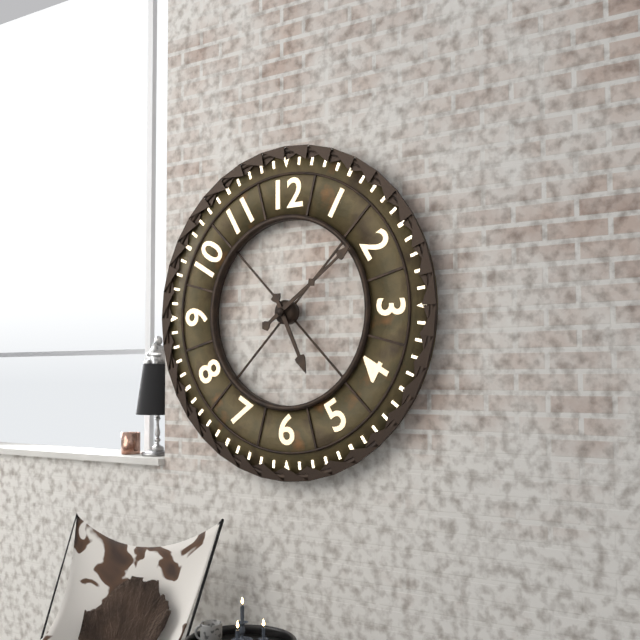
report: 5h09
